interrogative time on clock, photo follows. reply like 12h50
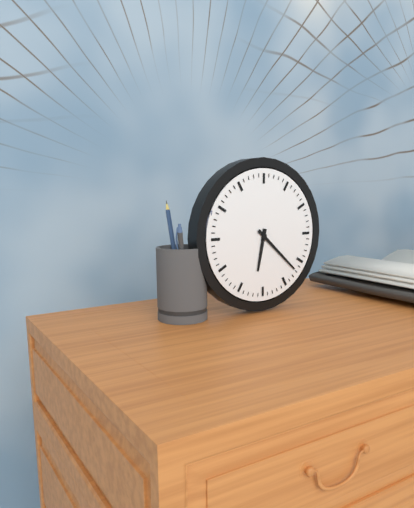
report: 6h22
